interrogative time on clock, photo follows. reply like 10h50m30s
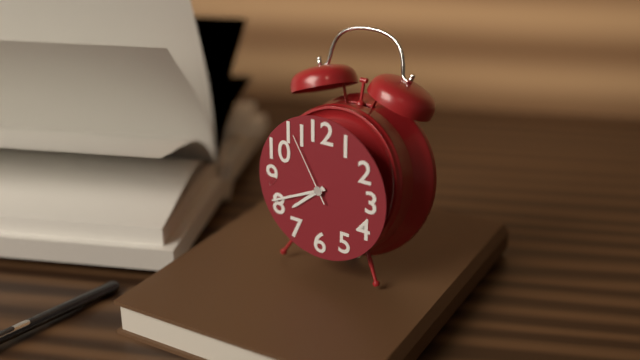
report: 7h41m55s
